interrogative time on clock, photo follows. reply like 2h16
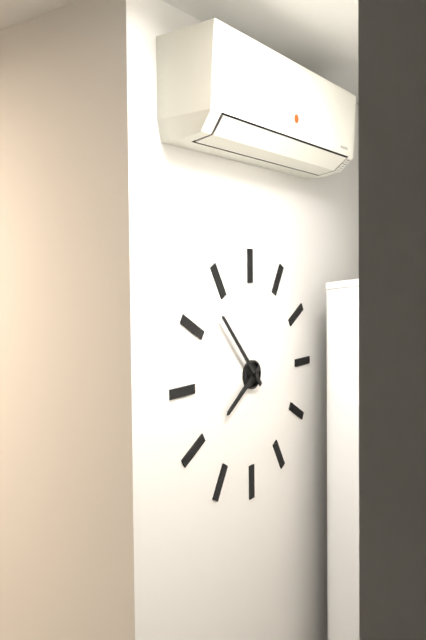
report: 7h53
